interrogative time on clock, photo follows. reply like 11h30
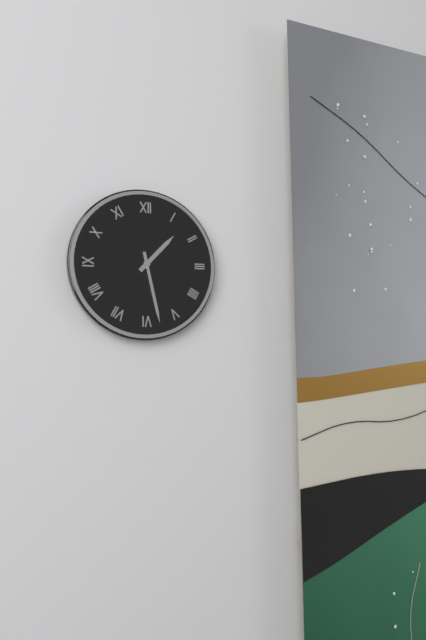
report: 1h28
